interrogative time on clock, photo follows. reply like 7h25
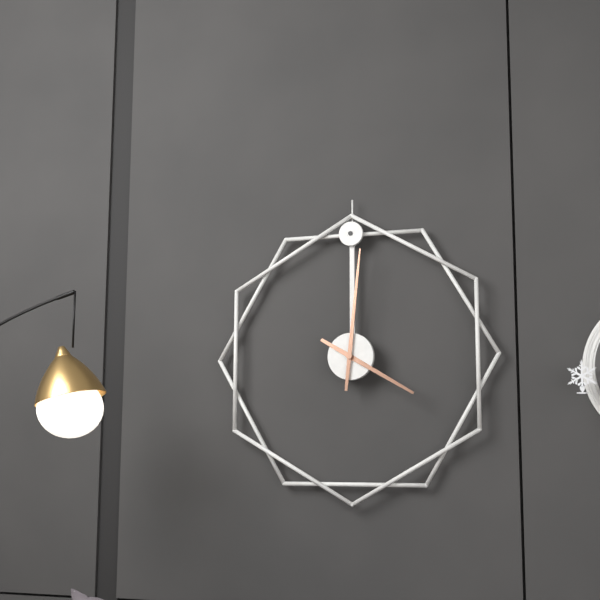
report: 4h01
